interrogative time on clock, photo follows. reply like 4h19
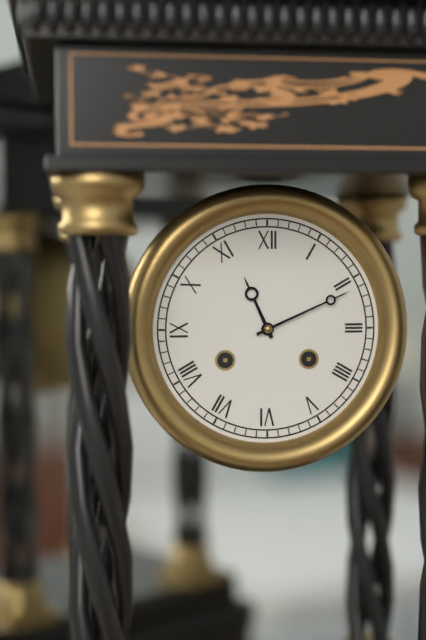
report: 11h11
